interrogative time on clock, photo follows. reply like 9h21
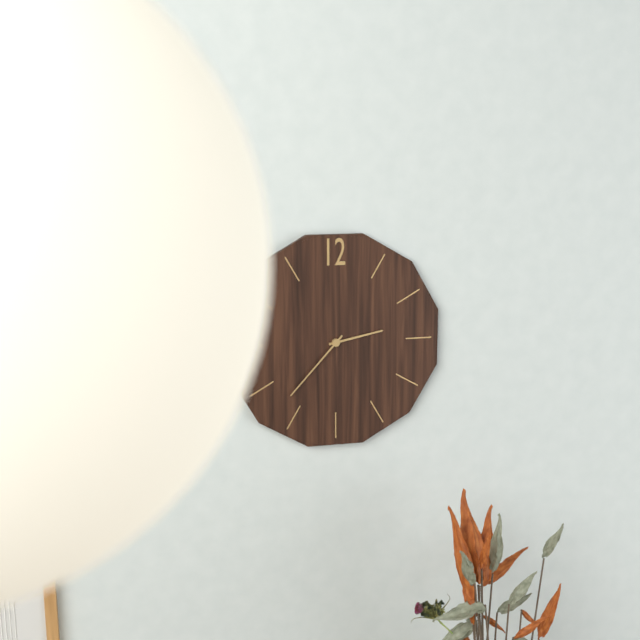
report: 2h37
